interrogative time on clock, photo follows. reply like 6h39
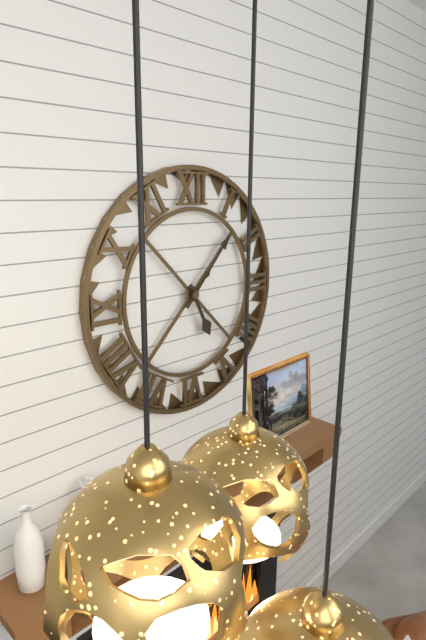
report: 5h07
